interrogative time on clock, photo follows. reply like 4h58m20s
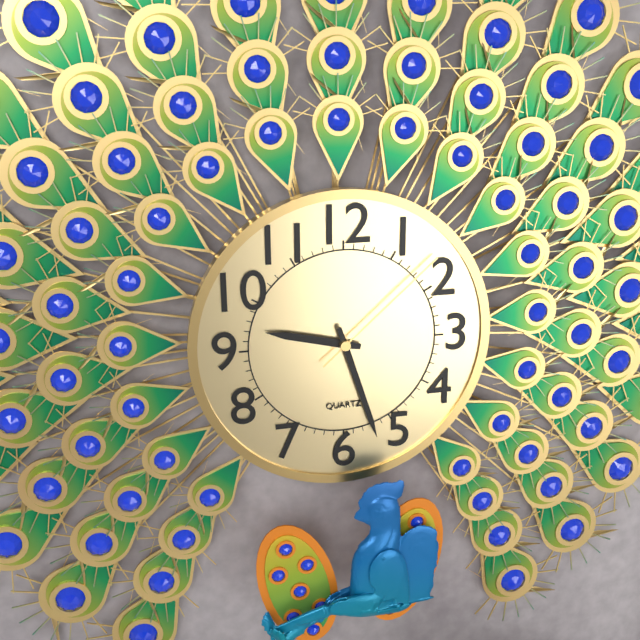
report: 9h27m08s
